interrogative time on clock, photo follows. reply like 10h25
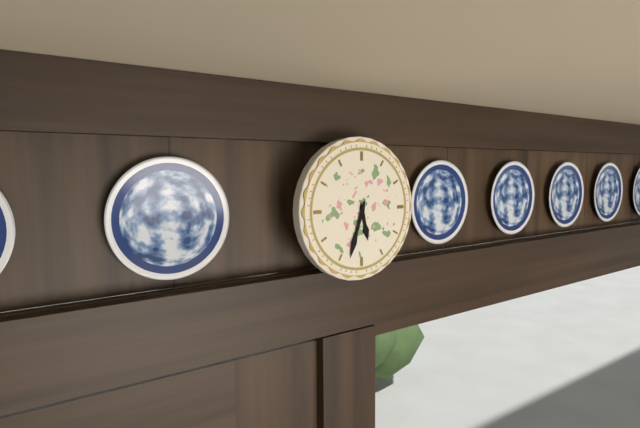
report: 5h33
